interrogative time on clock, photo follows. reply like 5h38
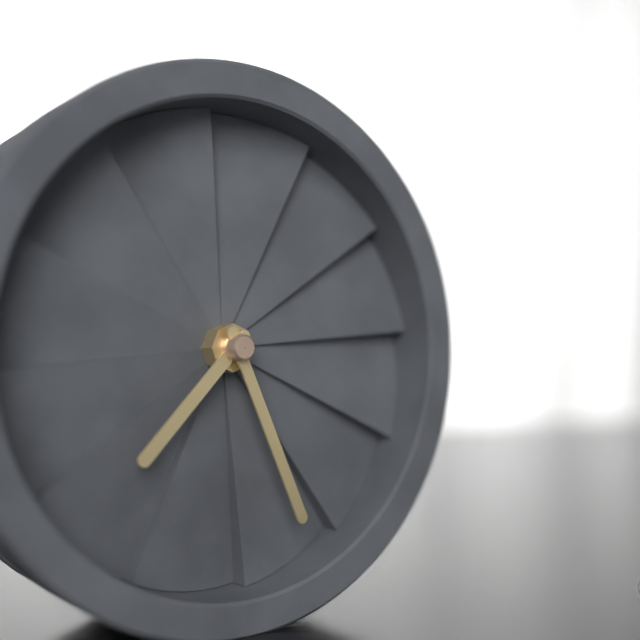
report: 7h26
